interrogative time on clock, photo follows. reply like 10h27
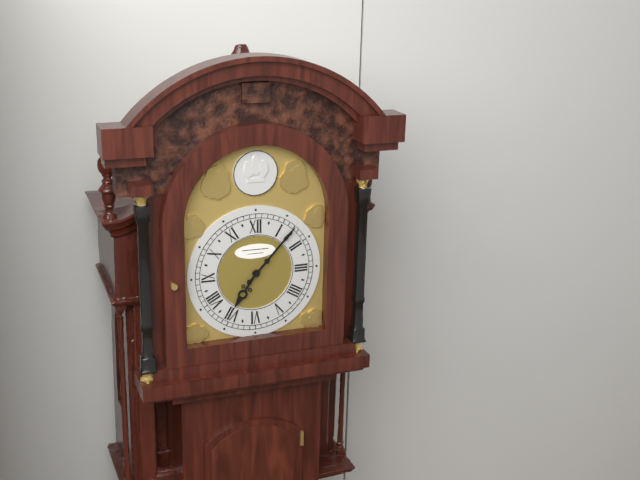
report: 7h07
